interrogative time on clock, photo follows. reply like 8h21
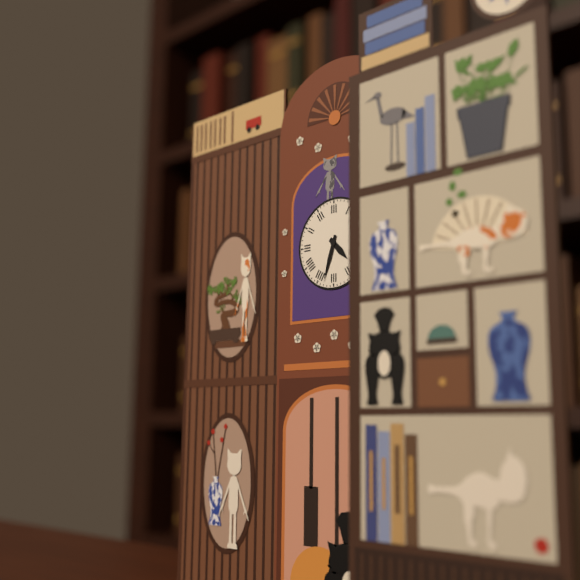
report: 4h33
